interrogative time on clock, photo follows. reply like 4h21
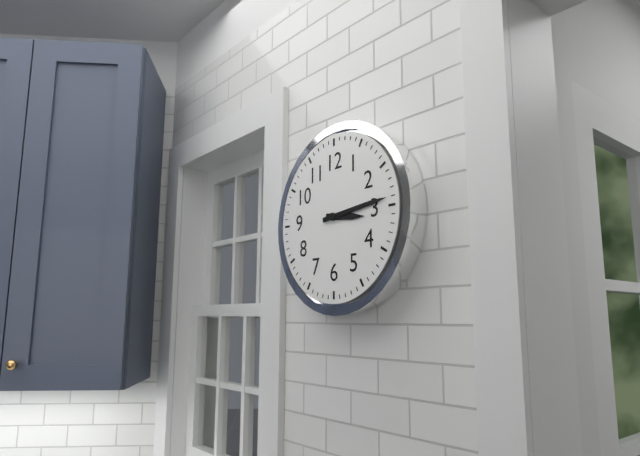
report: 3h14
